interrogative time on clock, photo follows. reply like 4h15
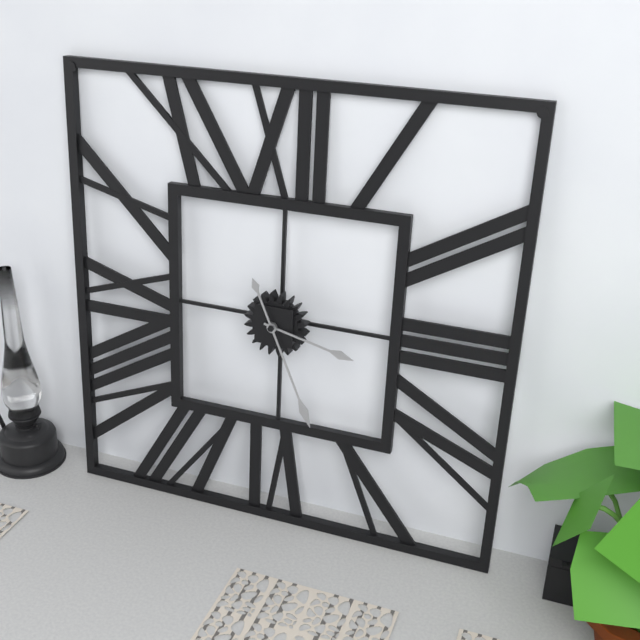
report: 3h26
